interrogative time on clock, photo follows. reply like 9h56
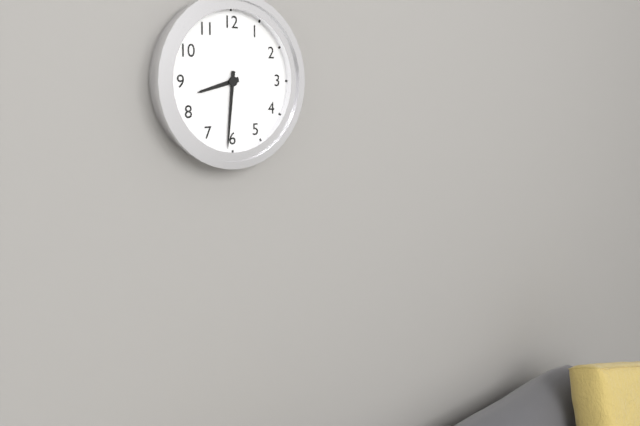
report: 8h31
